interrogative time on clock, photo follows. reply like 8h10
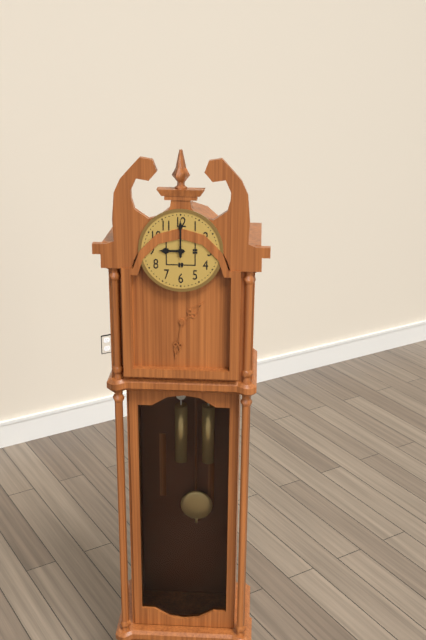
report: 9h00
